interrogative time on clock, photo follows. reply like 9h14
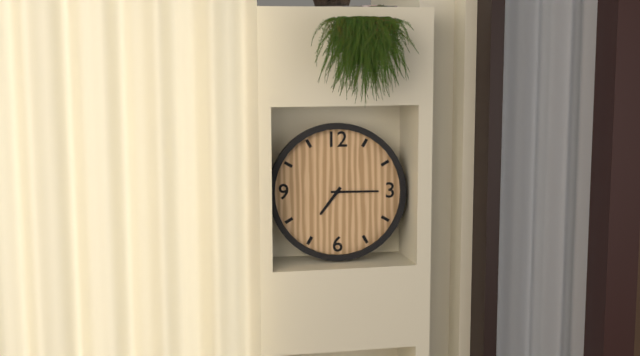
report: 7h15
